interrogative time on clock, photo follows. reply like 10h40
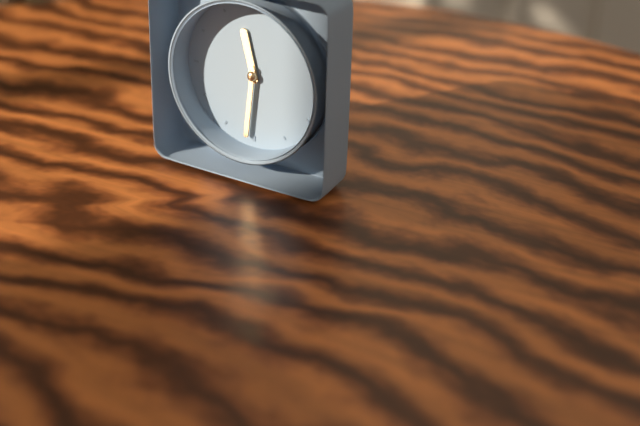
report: 11h31
